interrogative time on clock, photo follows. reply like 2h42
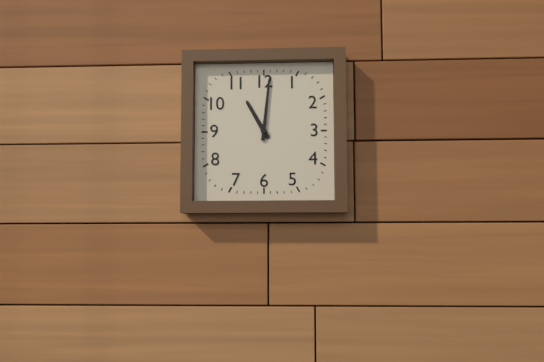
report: 11h01
